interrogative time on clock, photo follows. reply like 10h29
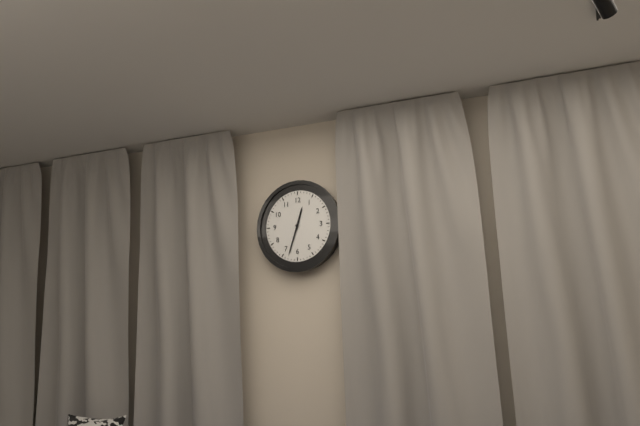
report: 12h33
